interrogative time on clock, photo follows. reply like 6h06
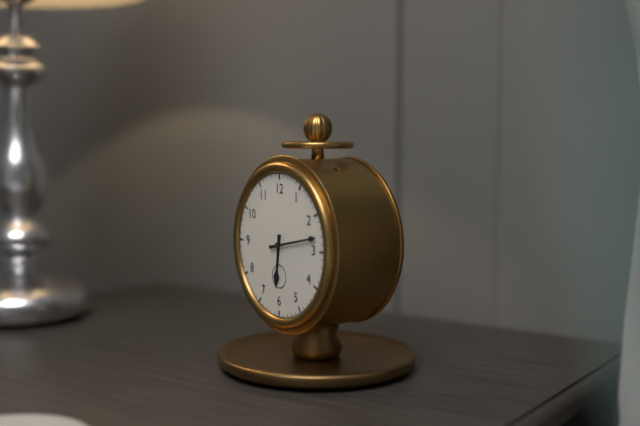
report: 6h13
